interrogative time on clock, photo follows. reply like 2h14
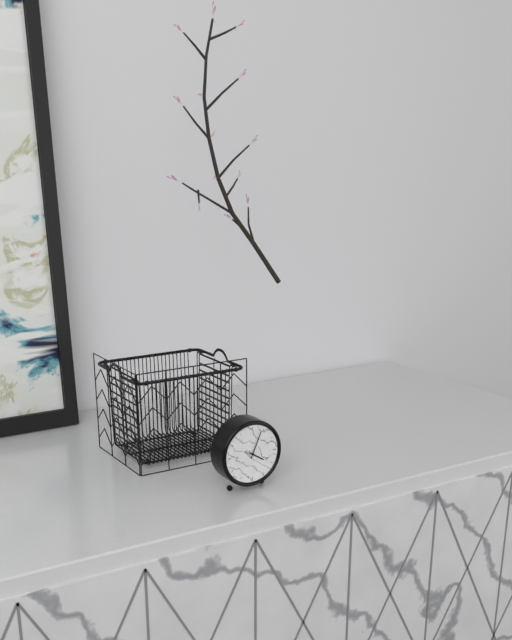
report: 4h04
